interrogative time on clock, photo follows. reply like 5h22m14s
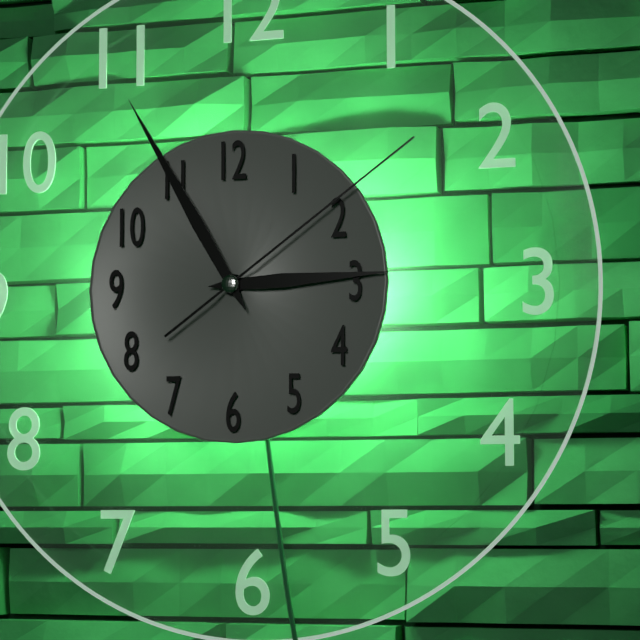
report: 2h55m09s
